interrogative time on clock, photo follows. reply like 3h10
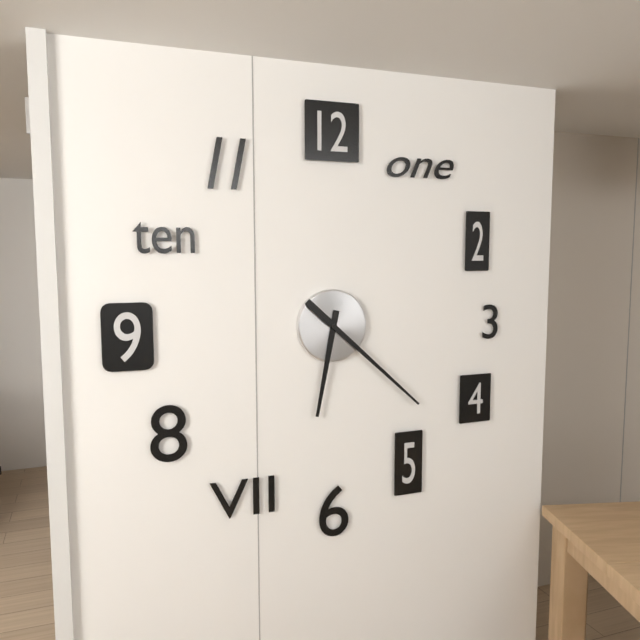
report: 6h22
